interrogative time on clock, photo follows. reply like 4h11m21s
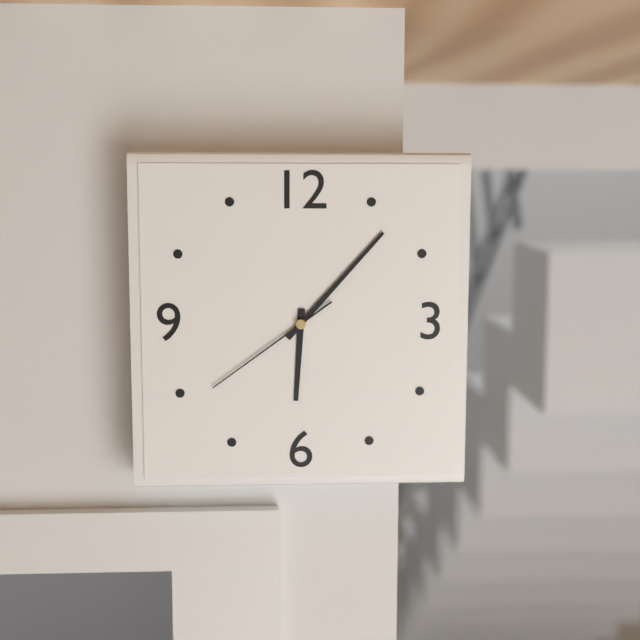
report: 6h07m39s
